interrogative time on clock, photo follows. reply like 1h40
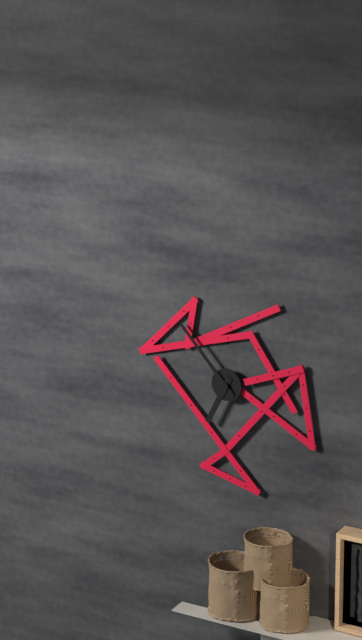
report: 6h53
